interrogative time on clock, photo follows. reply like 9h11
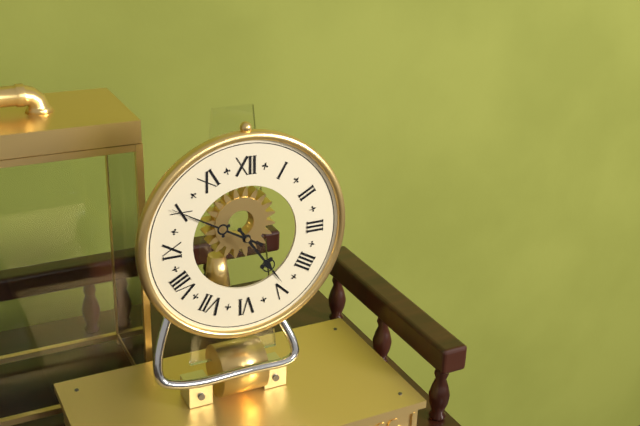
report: 4h50
